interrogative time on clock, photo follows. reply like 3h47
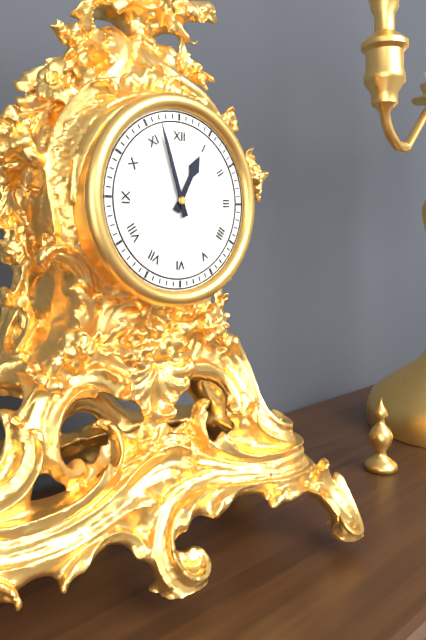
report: 12h57
